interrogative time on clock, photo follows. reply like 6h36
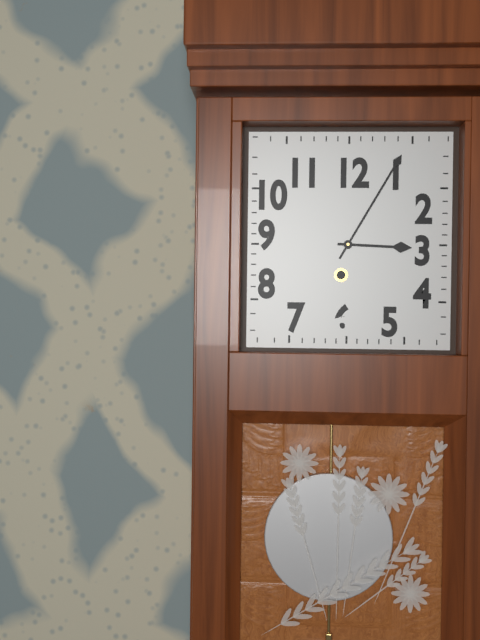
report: 3h05
